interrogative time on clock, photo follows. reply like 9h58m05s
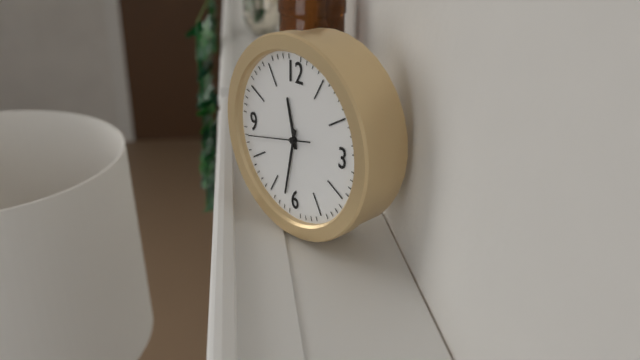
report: 11h32m43s
